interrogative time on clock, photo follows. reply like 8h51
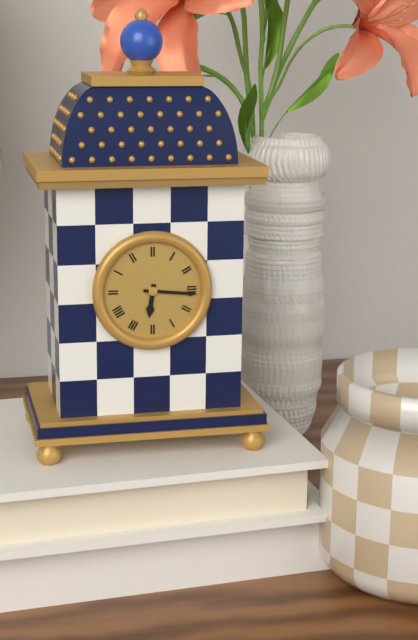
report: 6h16
